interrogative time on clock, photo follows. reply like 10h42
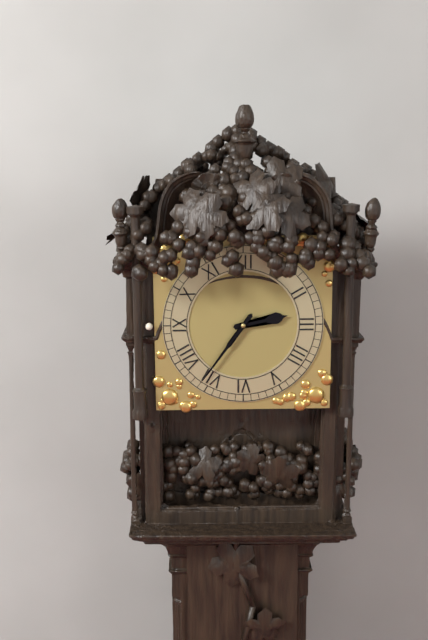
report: 2h36
